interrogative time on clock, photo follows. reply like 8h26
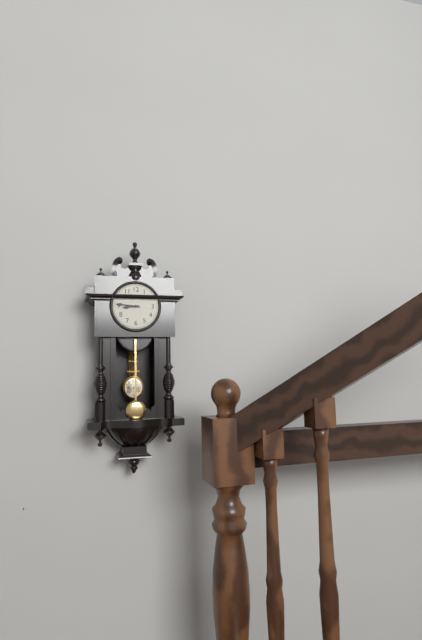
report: 8h46
